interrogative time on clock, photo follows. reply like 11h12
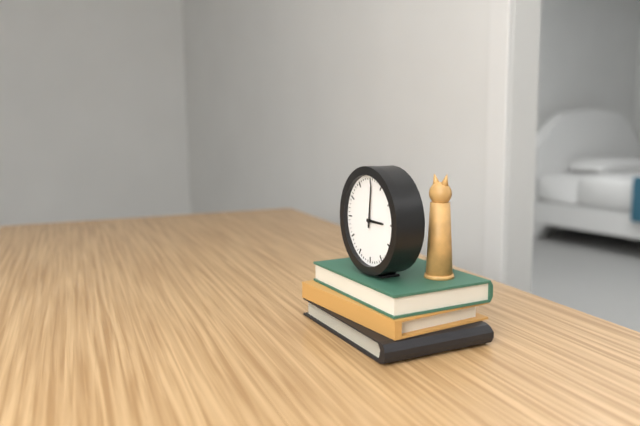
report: 3h01
